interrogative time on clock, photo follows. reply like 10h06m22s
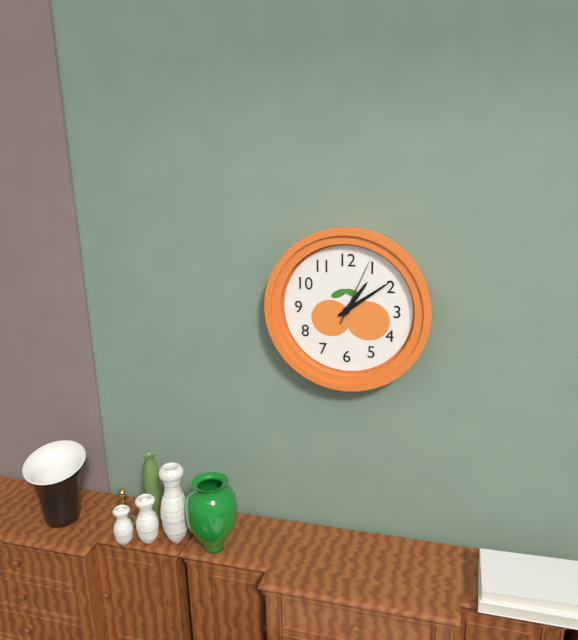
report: 1h09m04s
